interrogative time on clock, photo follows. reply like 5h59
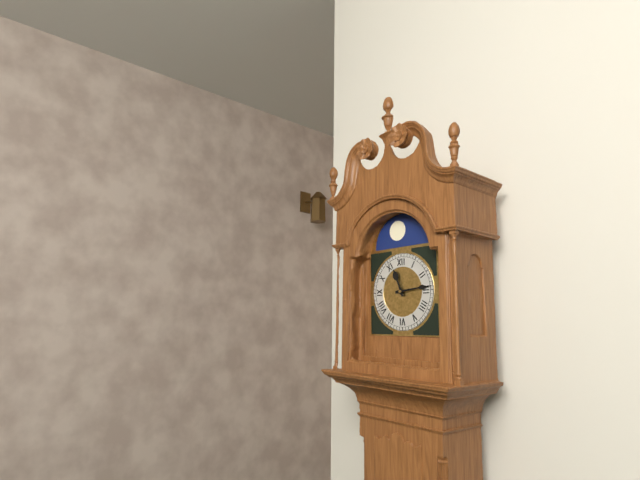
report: 11h14
